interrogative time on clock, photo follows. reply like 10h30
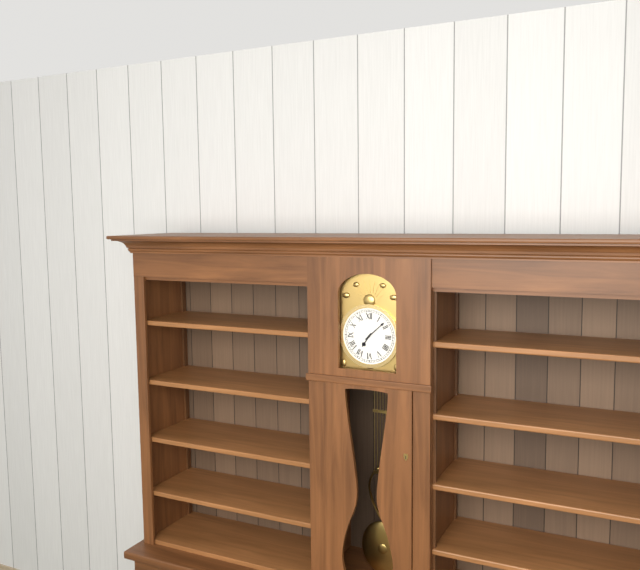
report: 7h08
